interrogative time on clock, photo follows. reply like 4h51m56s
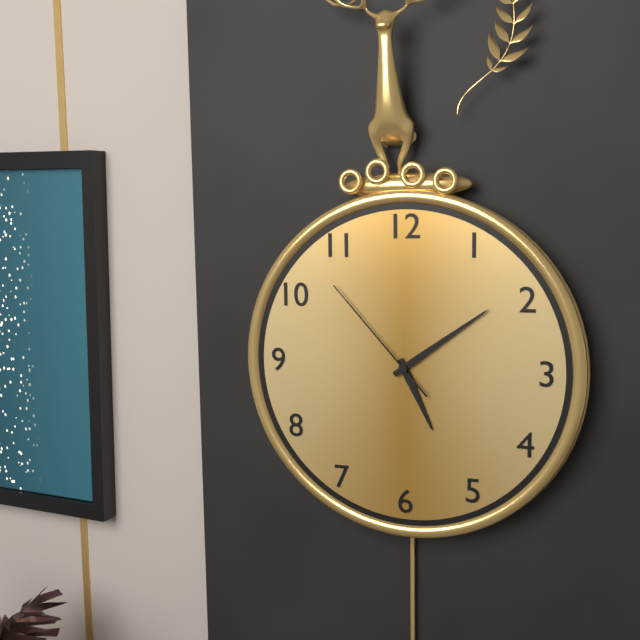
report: 5h09m53s
